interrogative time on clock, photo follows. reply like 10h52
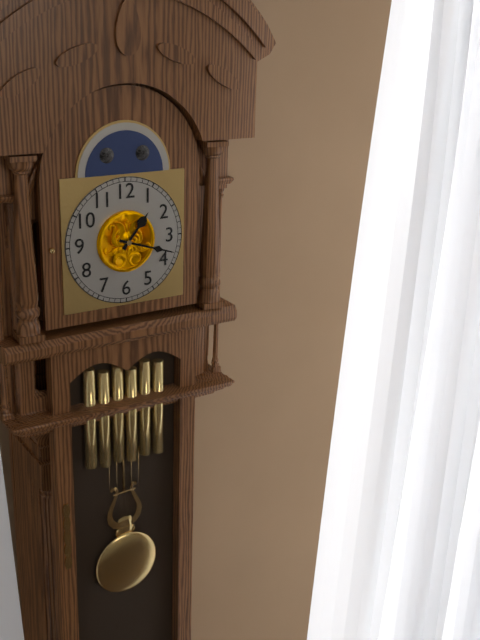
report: 1h18
